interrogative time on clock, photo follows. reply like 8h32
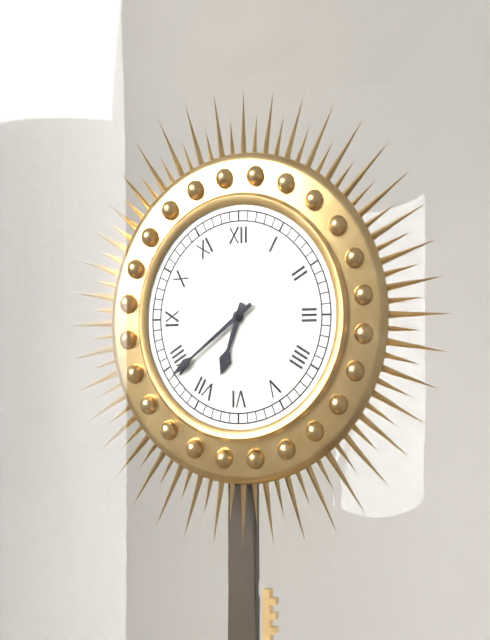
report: 6h39
